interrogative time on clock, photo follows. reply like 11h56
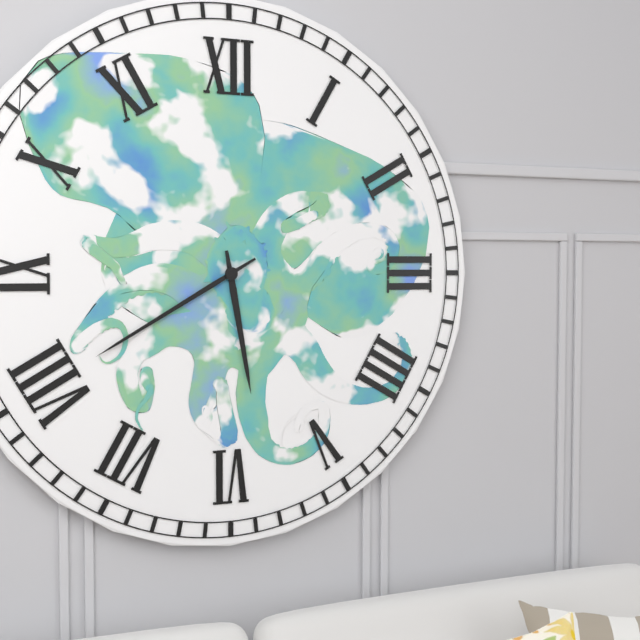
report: 5h40
